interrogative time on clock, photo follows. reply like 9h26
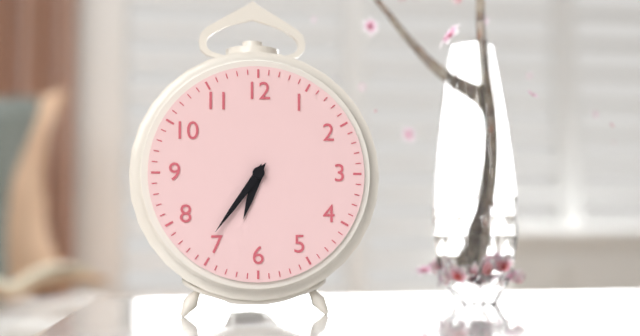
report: 6h36
